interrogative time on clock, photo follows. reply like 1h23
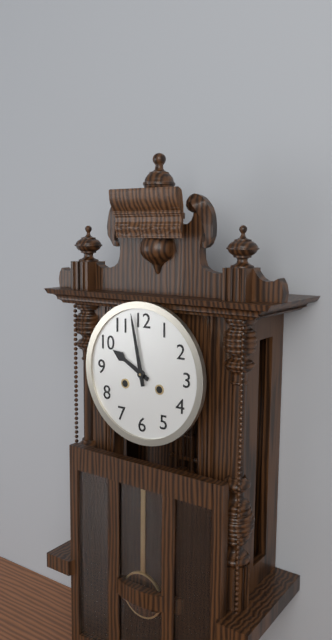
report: 9h58
